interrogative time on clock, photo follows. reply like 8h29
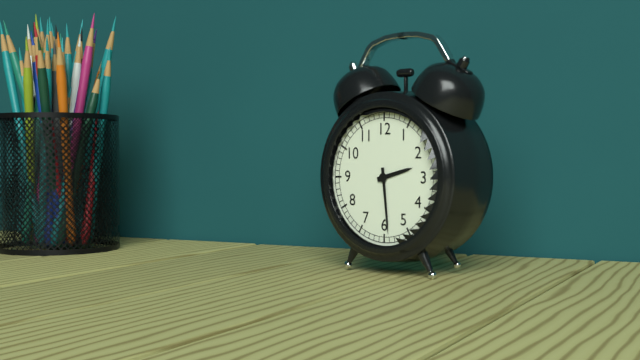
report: 2h29
